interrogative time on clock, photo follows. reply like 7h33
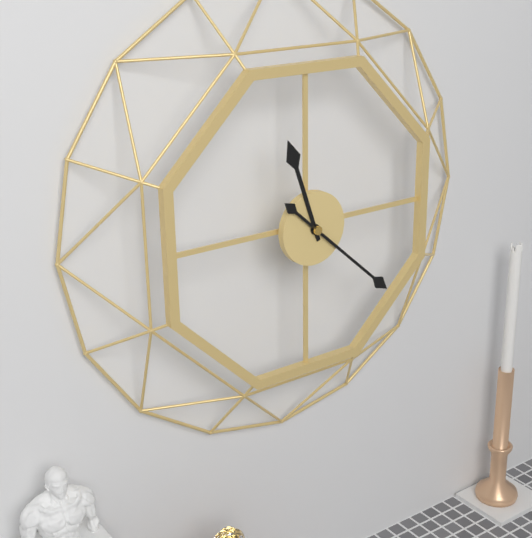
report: 11h22
